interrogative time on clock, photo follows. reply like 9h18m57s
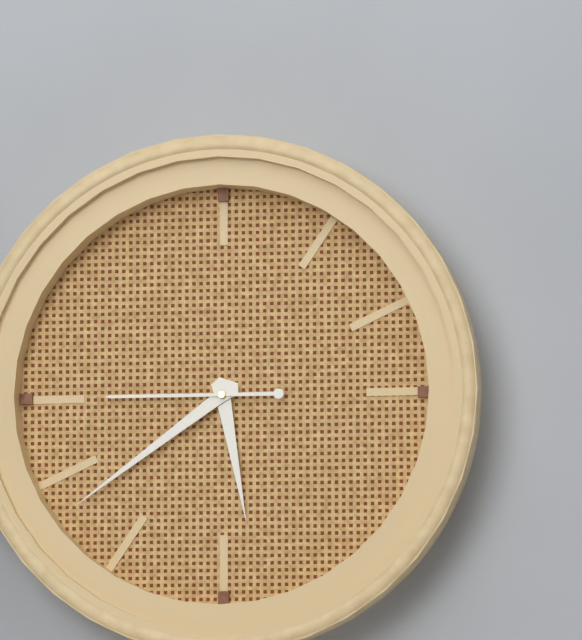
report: 5h39m45s
